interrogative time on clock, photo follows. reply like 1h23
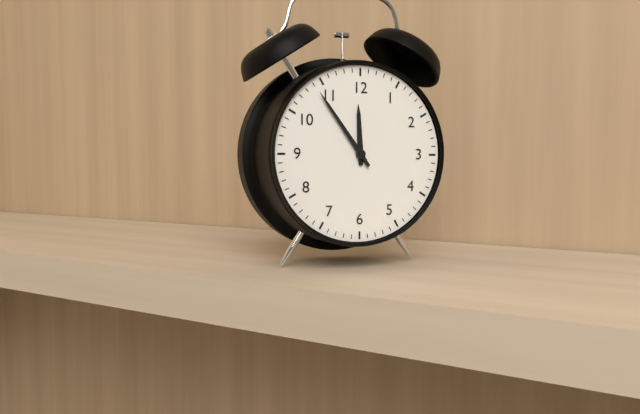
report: 11h54
